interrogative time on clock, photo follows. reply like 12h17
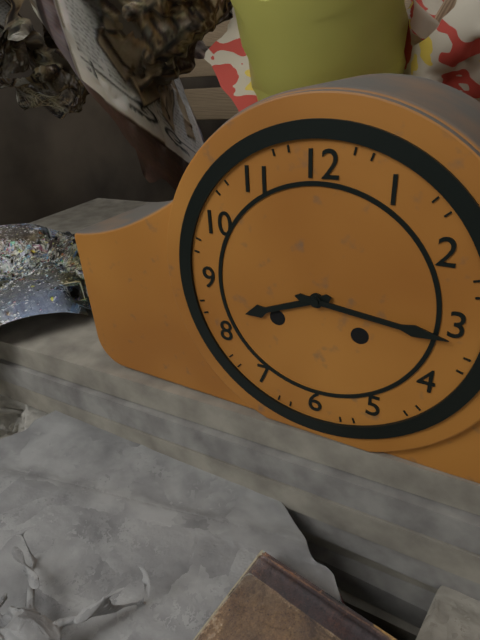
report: 8h16
